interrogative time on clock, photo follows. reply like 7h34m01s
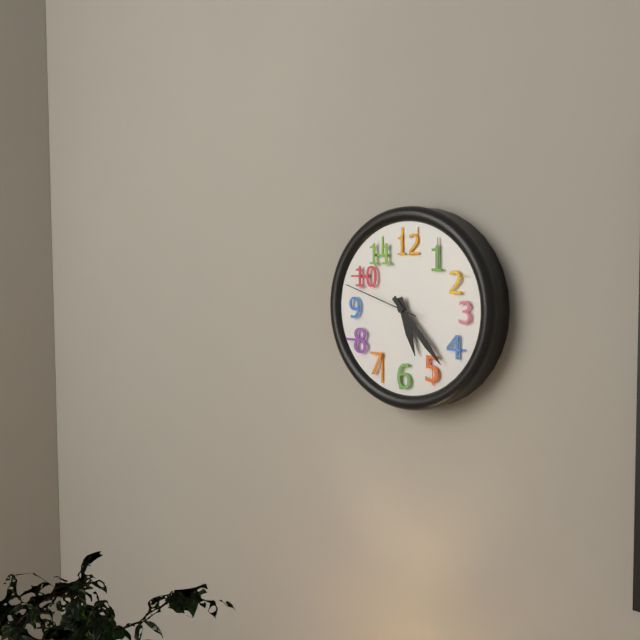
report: 5h23m48s
